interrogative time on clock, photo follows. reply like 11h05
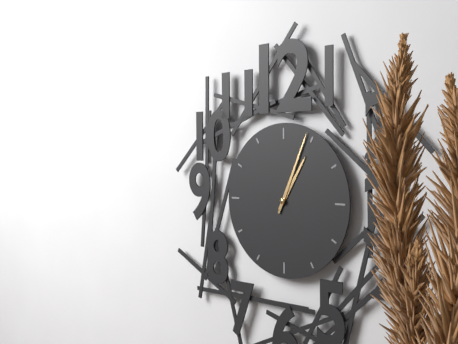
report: 1h04
